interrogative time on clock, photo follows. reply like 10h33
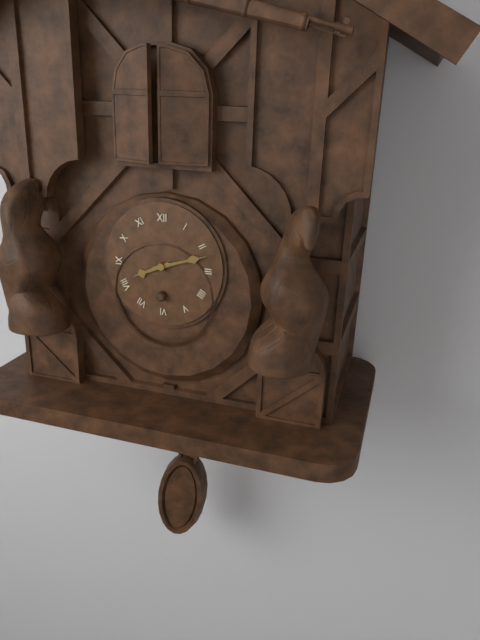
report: 8h12
